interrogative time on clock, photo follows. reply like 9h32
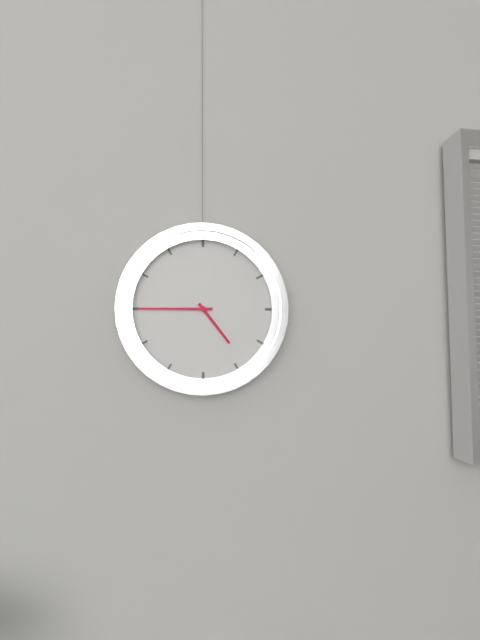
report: 4h45
